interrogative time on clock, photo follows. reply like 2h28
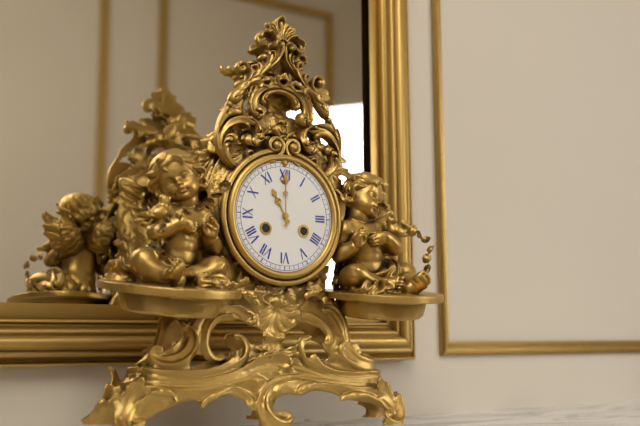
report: 11h00
